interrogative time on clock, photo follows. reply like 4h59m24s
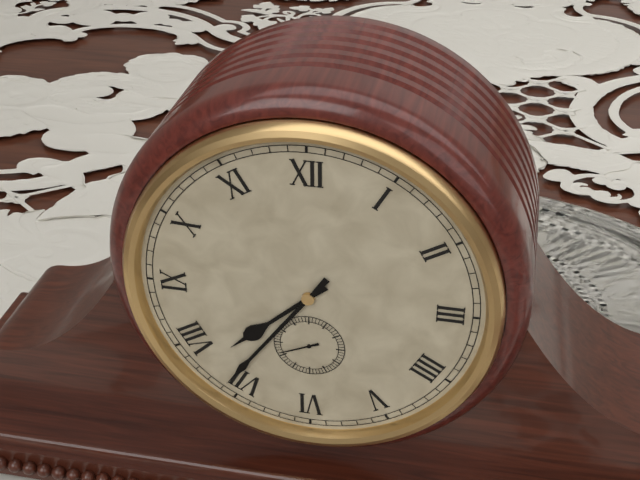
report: 7h36m41s
